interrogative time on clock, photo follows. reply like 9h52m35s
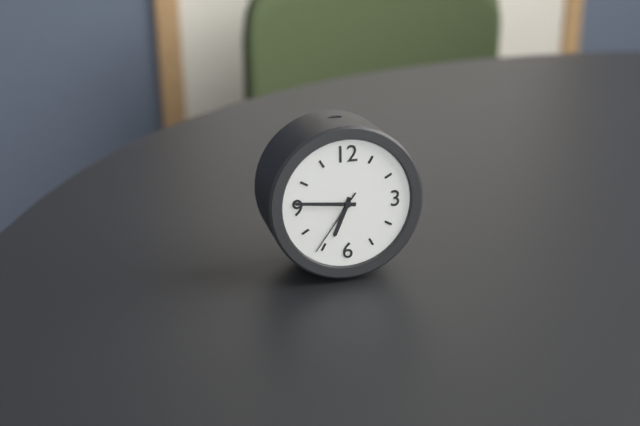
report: 6h46m36s
